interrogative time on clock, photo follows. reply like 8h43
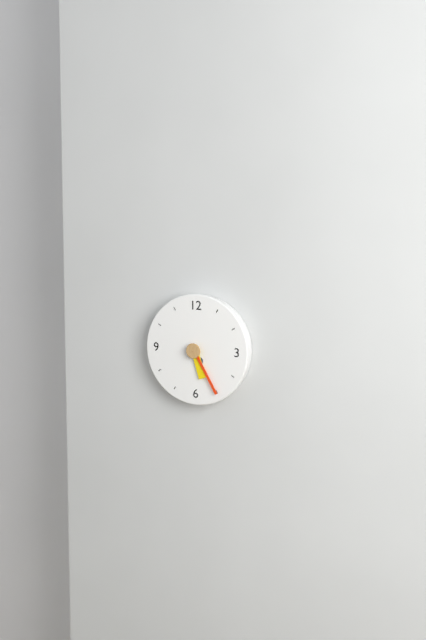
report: 5h25
